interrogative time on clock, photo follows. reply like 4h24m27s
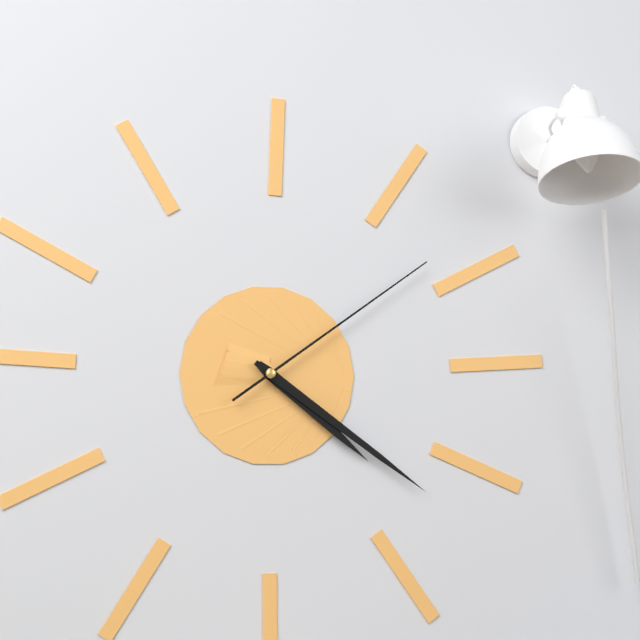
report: 4h21m09s
